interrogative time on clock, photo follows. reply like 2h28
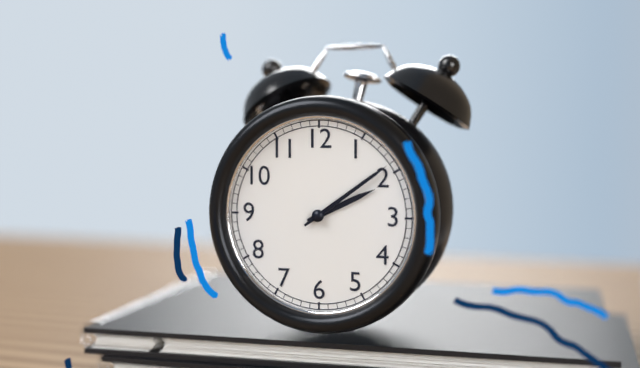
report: 2h09
